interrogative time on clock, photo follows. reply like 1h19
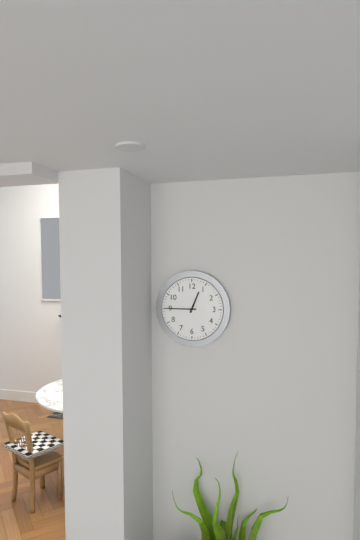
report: 12h45
